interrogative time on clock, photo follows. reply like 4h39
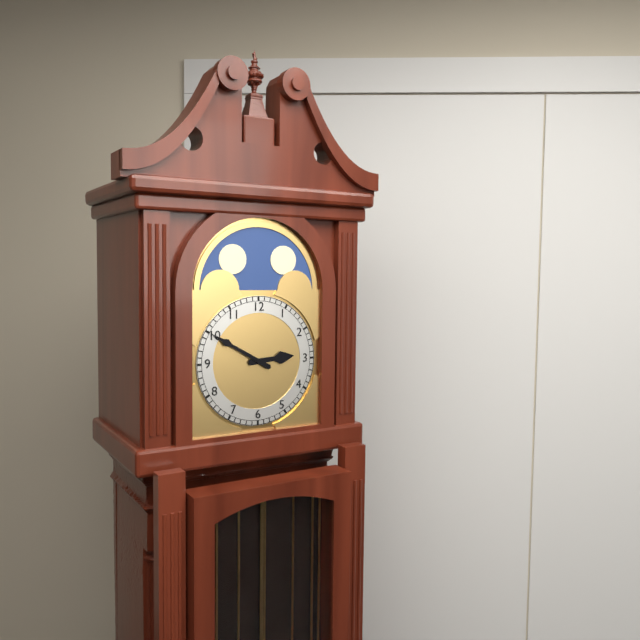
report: 2h50
